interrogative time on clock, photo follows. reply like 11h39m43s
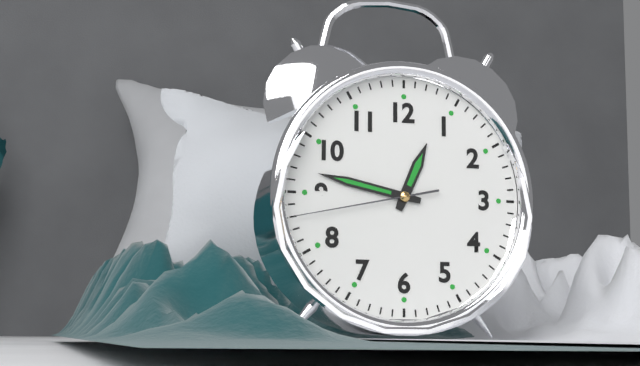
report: 12h47m43s
